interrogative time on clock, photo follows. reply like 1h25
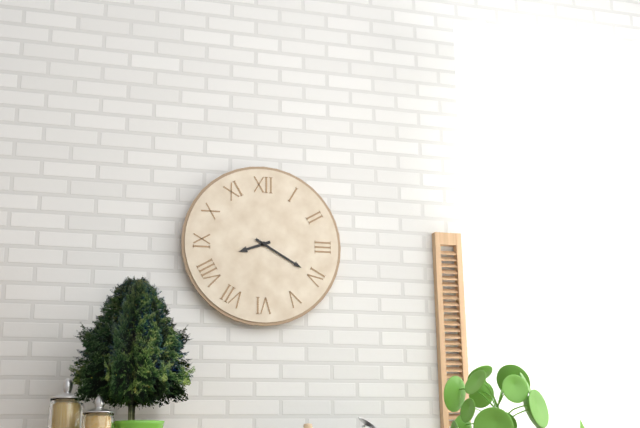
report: 8h20
